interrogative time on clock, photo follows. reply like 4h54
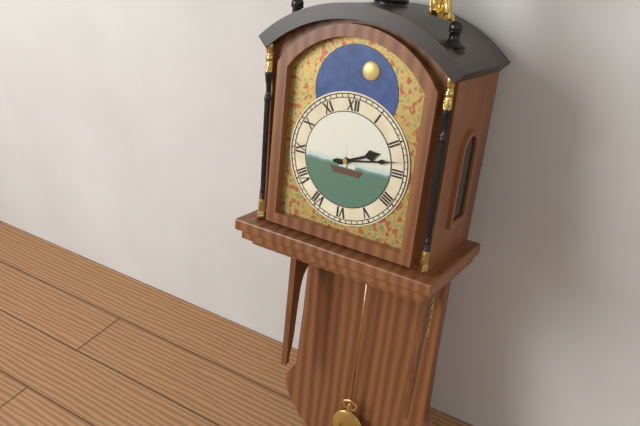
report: 2h13
